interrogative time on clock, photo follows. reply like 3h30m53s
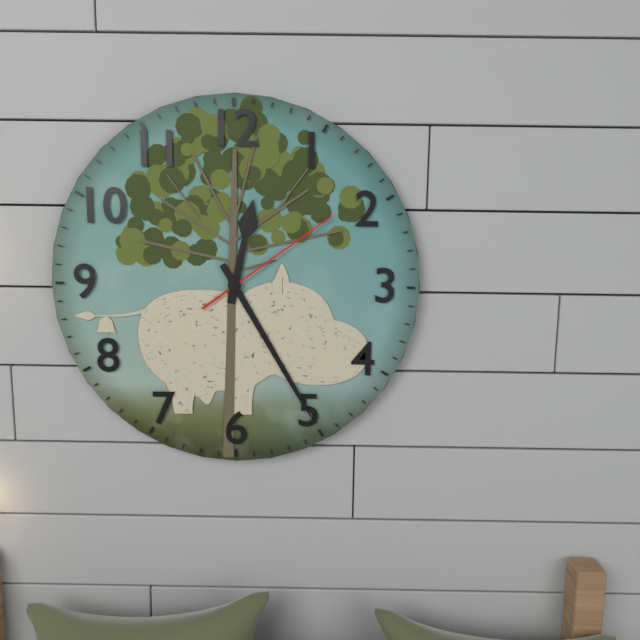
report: 12h25m09s
